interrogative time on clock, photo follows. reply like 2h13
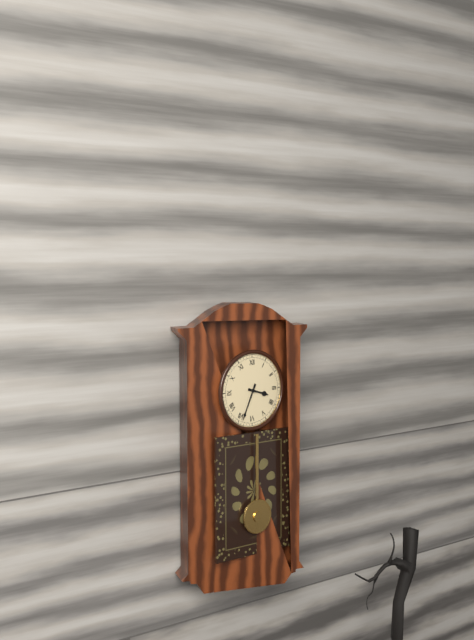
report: 3h34
